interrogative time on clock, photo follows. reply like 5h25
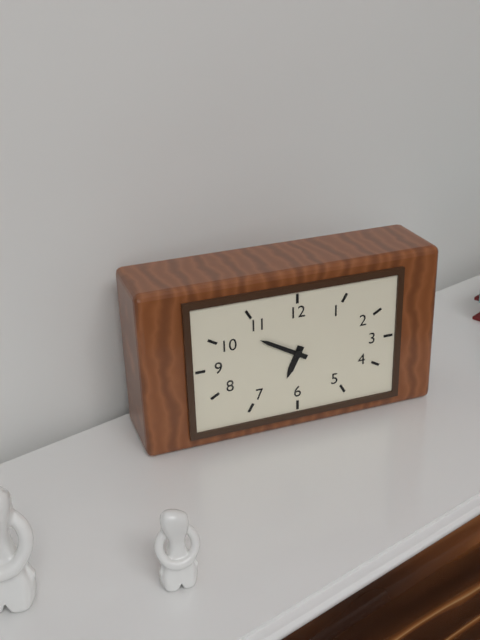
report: 6h50
